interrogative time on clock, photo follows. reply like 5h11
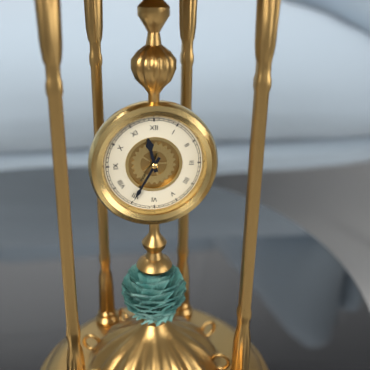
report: 11h35
